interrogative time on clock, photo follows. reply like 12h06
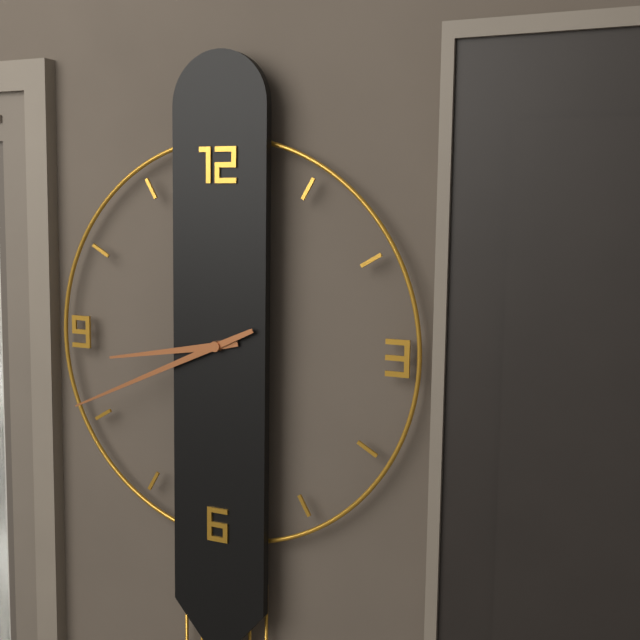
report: 8h41
